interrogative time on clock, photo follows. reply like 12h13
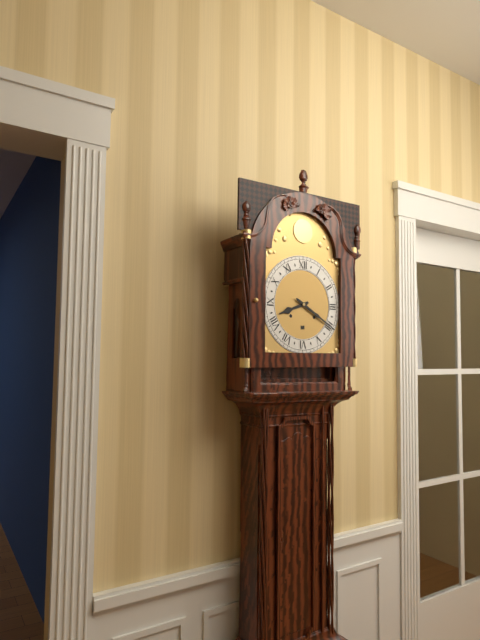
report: 8h20
